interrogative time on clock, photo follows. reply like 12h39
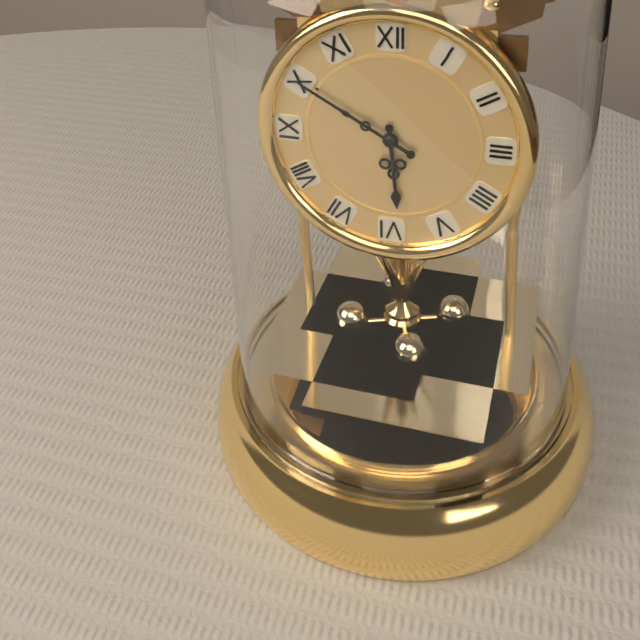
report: 5h50
